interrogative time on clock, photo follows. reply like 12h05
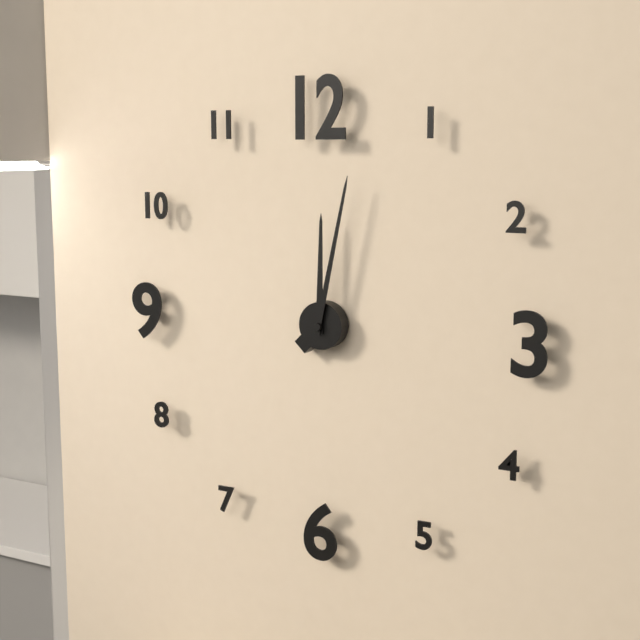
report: 12h02
